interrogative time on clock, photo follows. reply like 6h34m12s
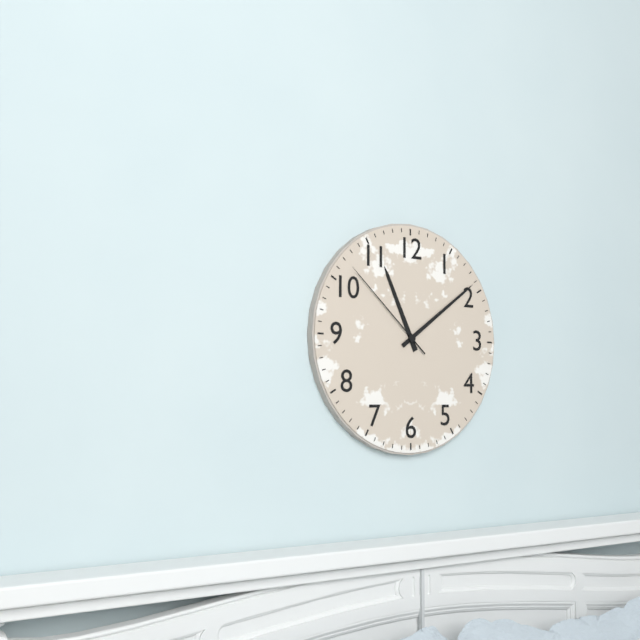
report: 11h09m52s
